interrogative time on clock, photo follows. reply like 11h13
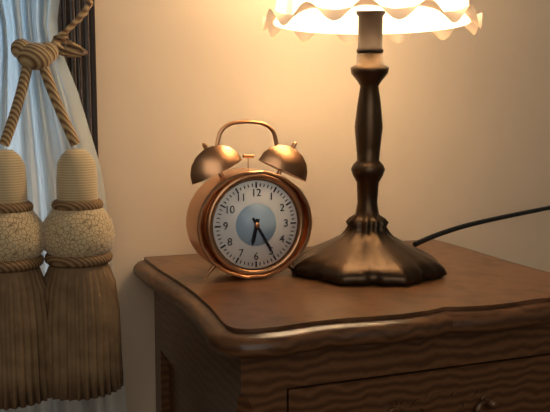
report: 6h25
